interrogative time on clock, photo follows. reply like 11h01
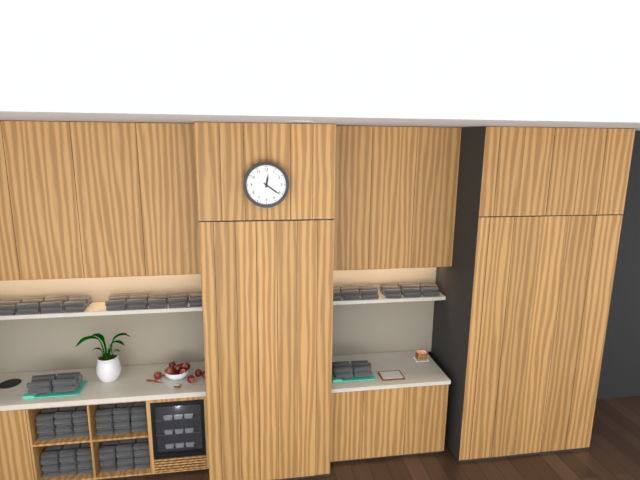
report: 12h21
